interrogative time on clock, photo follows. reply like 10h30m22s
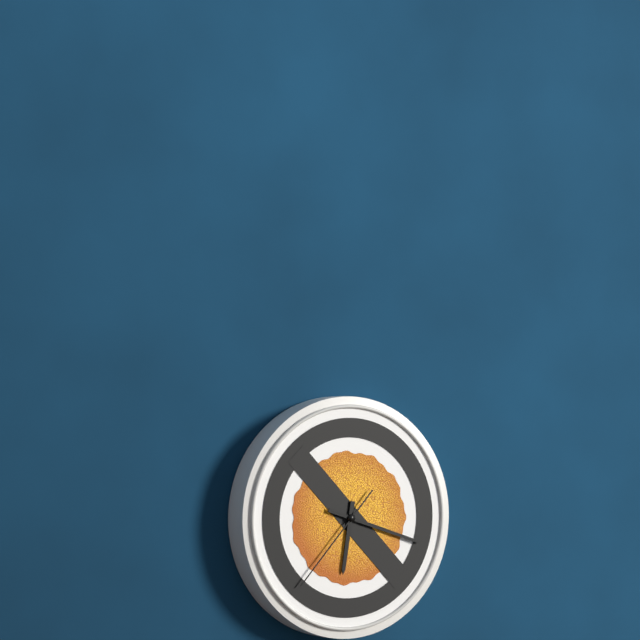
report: 6h18m37s
